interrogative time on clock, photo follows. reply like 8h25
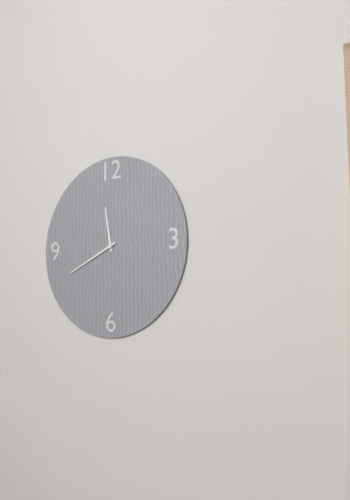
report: 11h41
